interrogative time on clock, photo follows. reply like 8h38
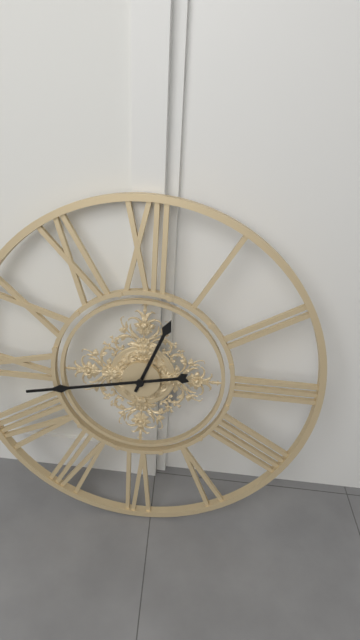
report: 12h43
